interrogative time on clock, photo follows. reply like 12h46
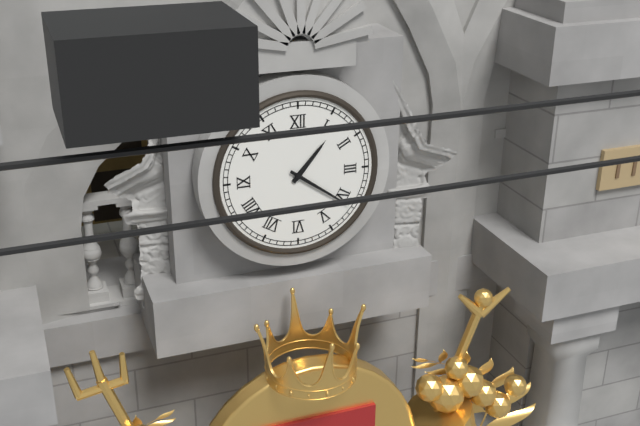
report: 1h21
